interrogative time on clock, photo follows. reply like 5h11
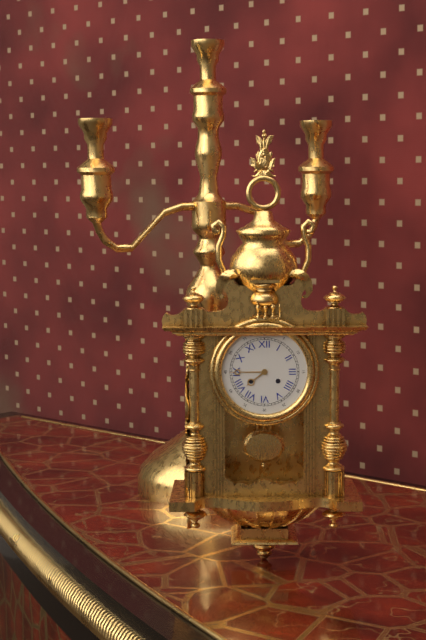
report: 7h45
